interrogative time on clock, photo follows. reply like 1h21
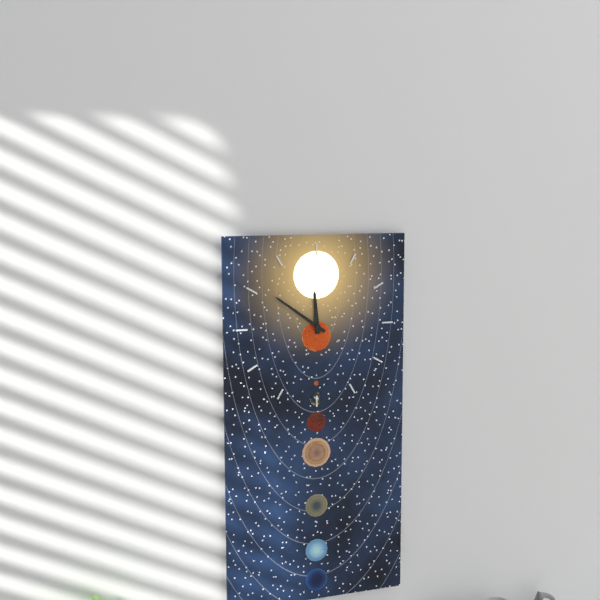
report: 11h51
